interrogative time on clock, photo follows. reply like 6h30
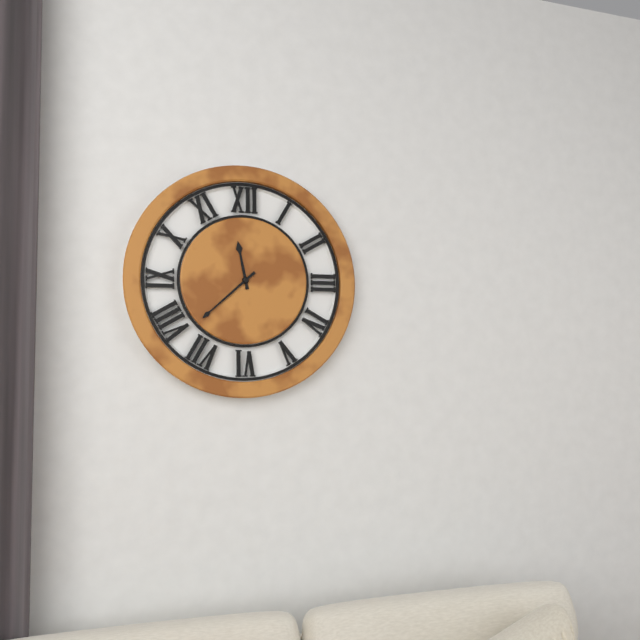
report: 11h38
